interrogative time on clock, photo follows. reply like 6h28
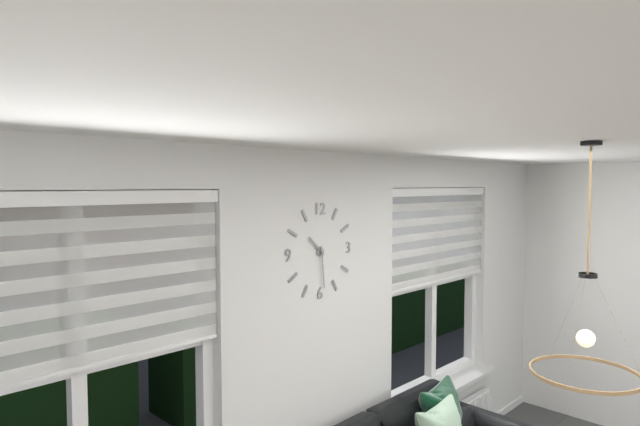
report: 10h29
